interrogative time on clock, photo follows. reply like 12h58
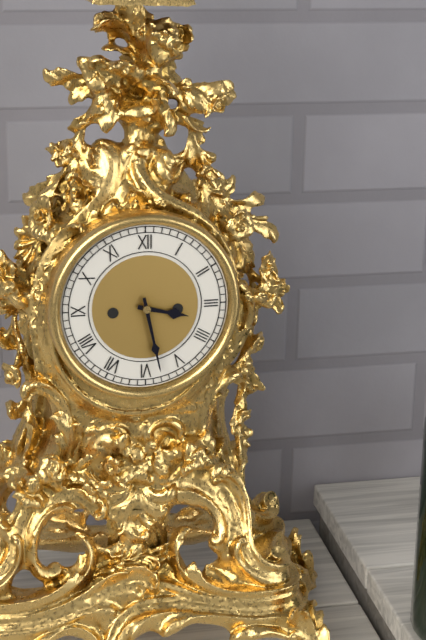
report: 3h28
